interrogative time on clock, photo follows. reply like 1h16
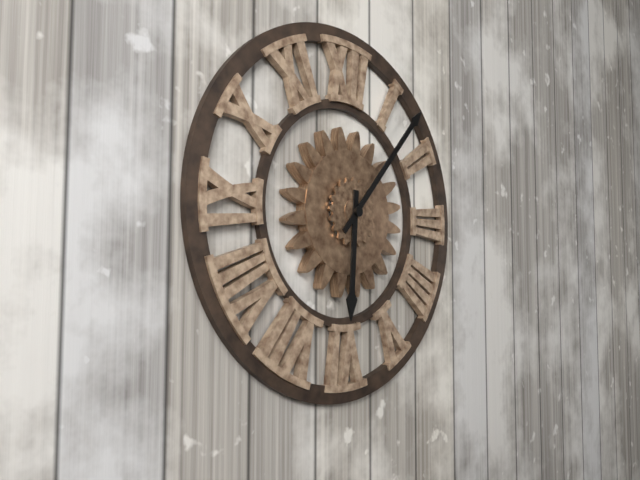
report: 6h07
